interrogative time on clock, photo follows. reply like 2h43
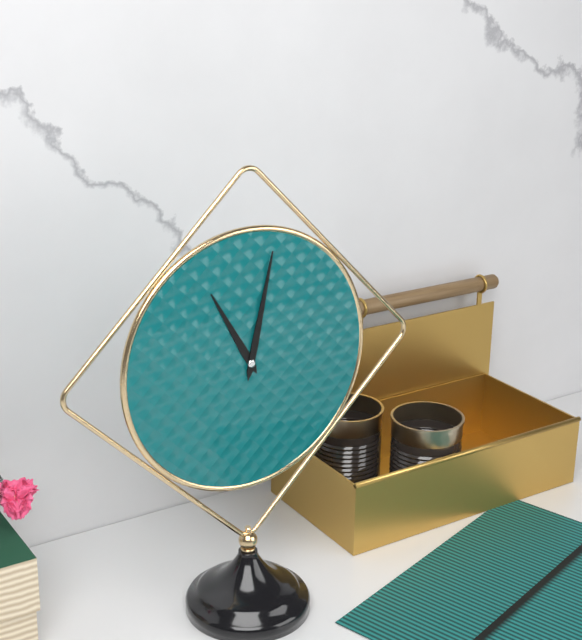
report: 11h02
